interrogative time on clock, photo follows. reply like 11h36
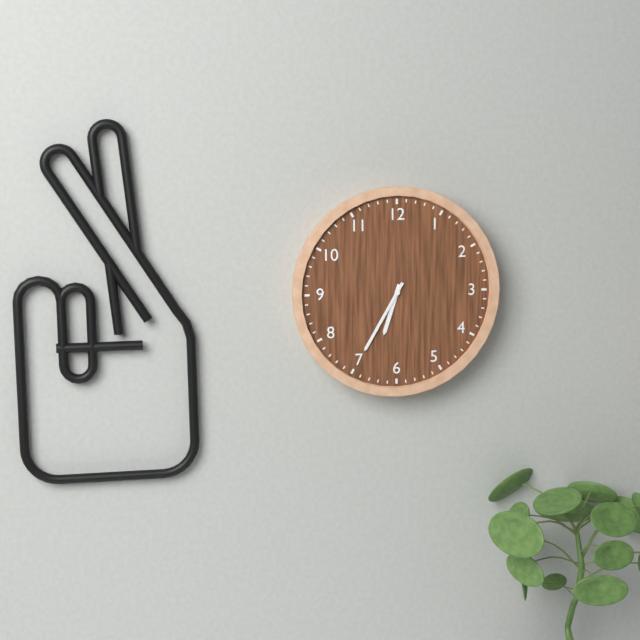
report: 6h35
